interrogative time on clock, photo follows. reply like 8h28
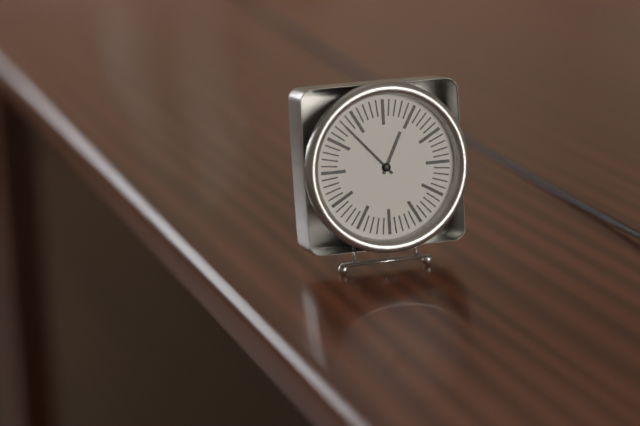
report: 12h53
